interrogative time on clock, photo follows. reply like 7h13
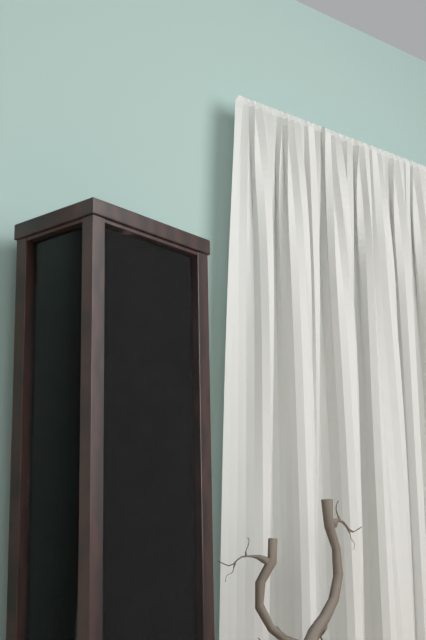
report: 2h13
